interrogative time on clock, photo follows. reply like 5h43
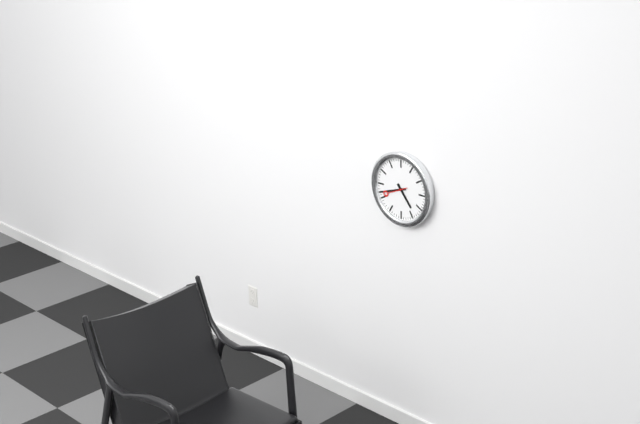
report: 4h42
